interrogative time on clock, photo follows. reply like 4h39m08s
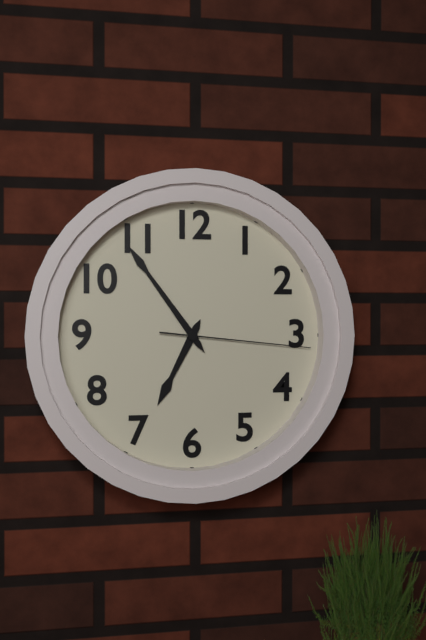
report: 6h54m16s
